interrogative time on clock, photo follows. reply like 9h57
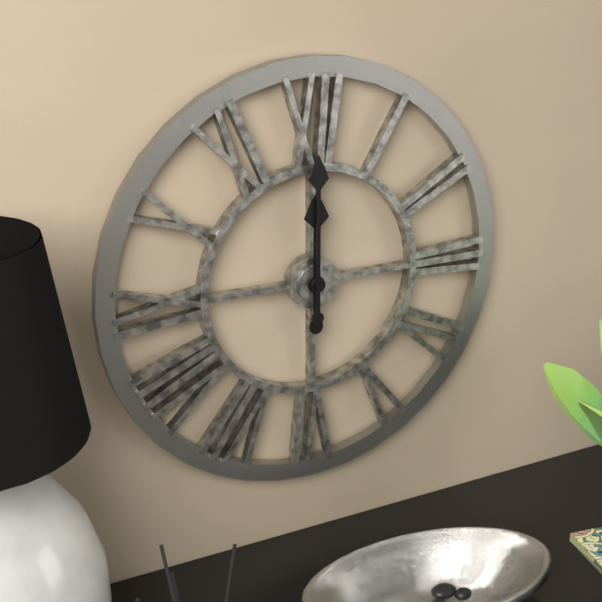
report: 12h00
